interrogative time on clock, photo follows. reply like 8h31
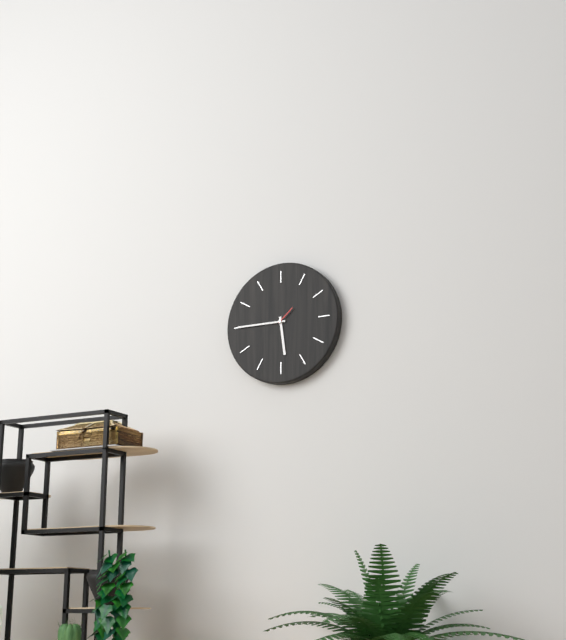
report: 5h45
